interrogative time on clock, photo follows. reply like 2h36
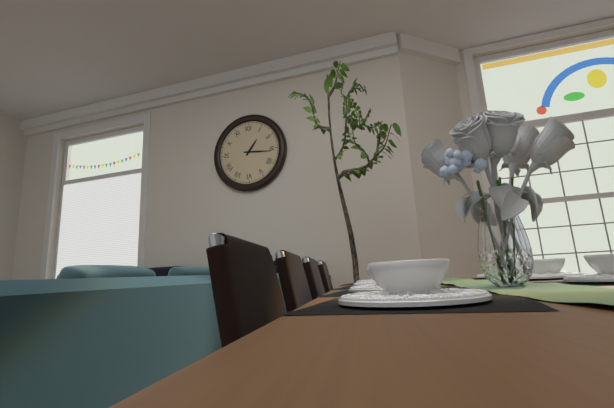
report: 1h16
